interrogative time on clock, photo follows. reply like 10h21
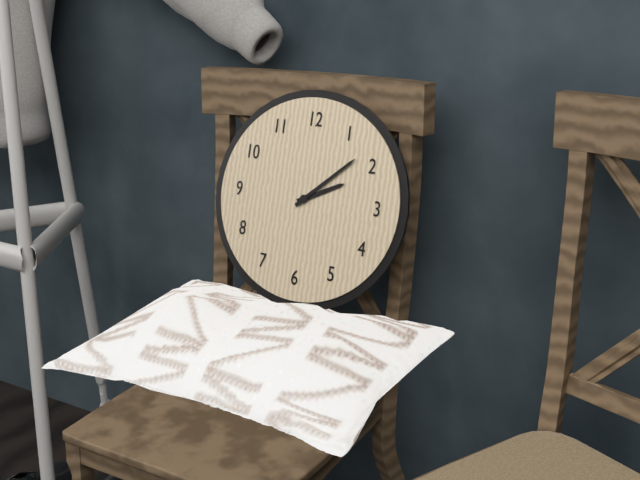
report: 2h08
